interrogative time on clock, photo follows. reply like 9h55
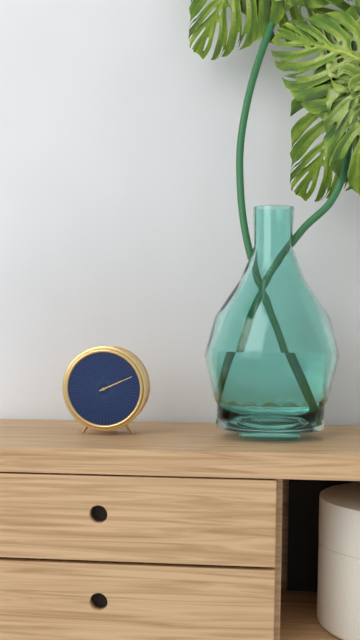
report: 2h11
